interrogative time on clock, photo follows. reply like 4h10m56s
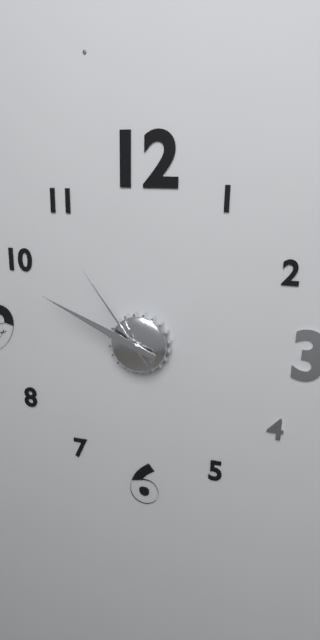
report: 9h49m54s
